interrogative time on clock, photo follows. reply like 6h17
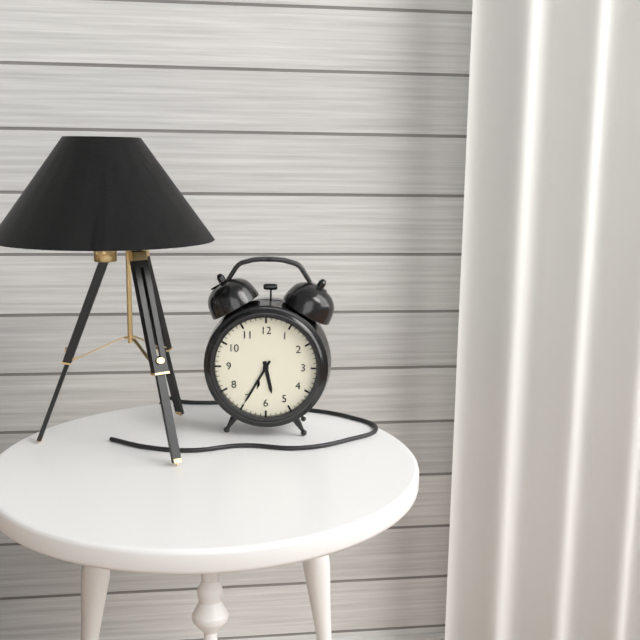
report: 5h35
